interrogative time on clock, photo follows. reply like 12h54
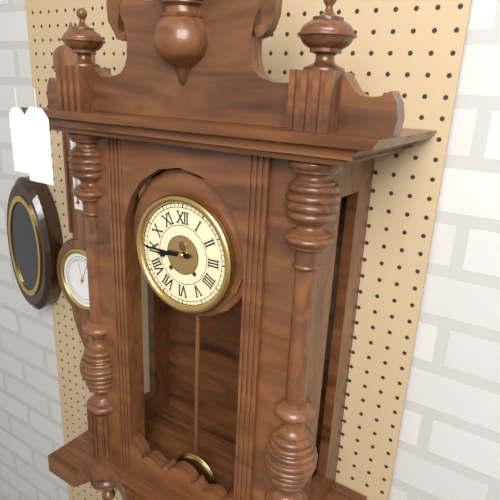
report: 8h45
